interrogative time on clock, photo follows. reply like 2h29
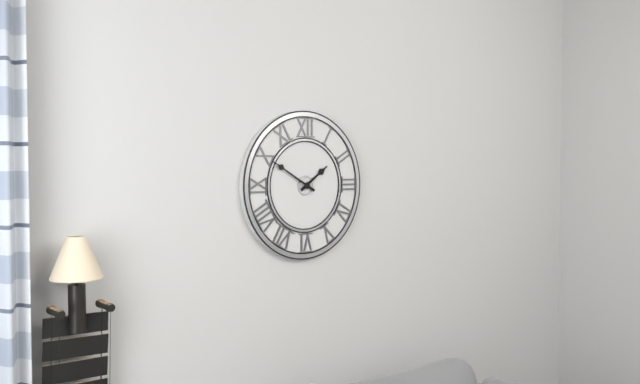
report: 1h50
